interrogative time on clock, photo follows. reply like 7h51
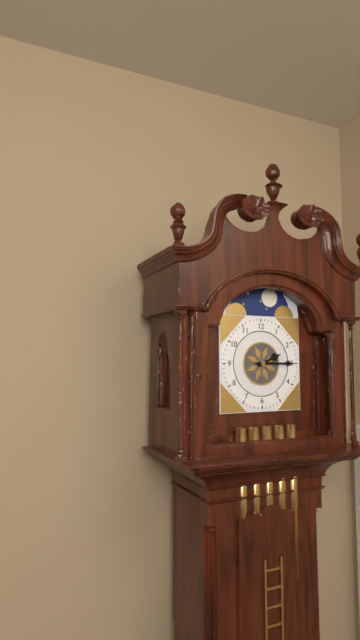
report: 2h15
